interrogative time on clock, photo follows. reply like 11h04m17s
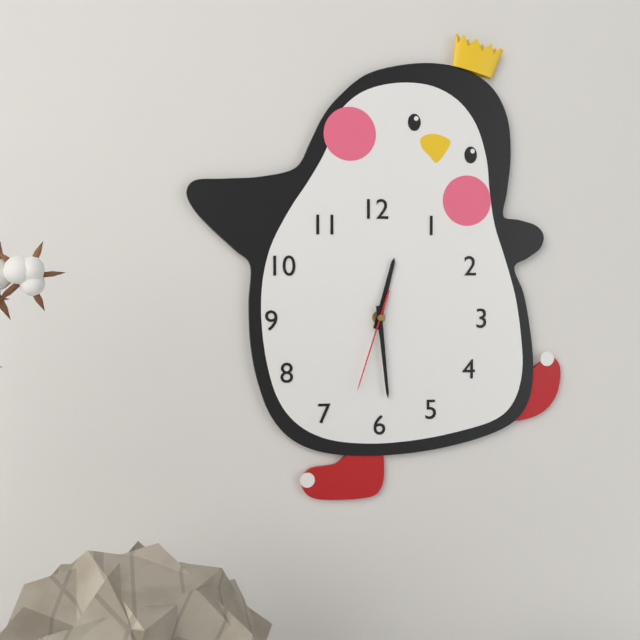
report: 12h29m33s
